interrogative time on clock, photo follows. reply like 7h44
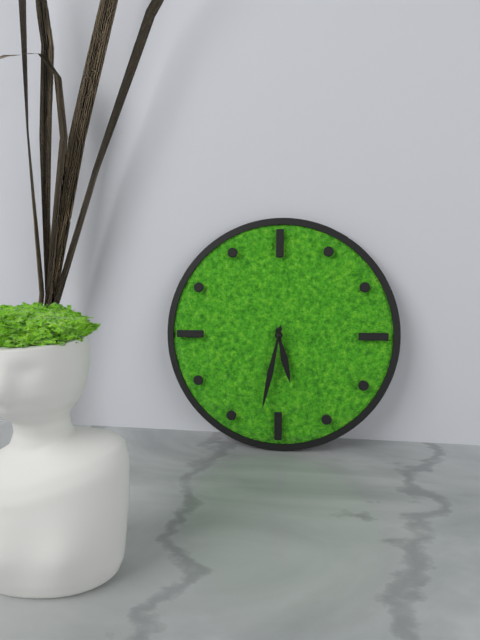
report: 5h32
